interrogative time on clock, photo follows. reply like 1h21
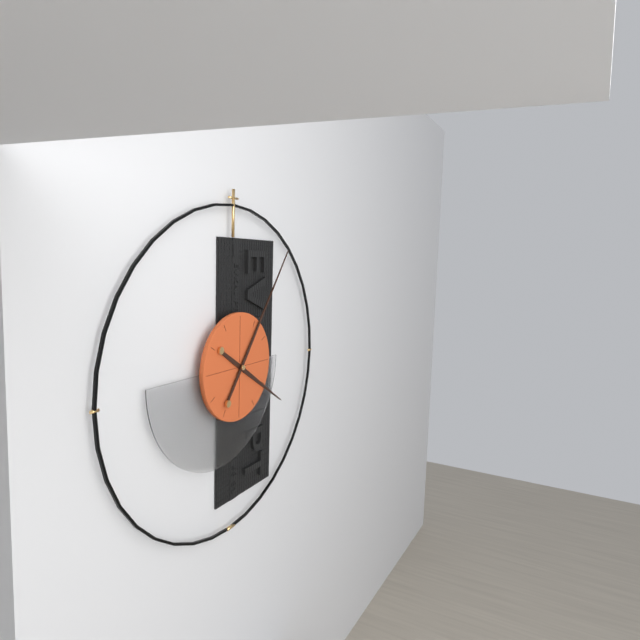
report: 4h06
